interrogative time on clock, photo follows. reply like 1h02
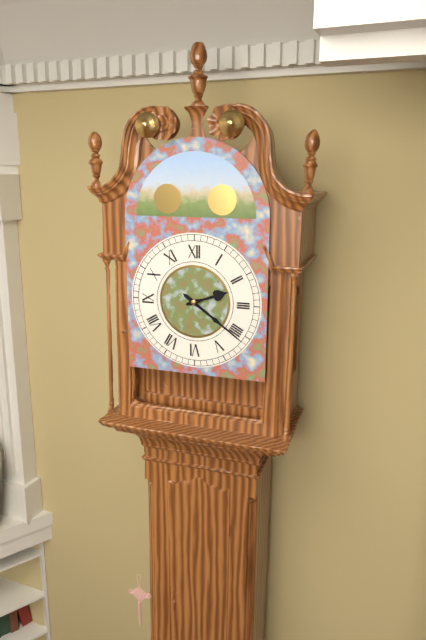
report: 2h21
